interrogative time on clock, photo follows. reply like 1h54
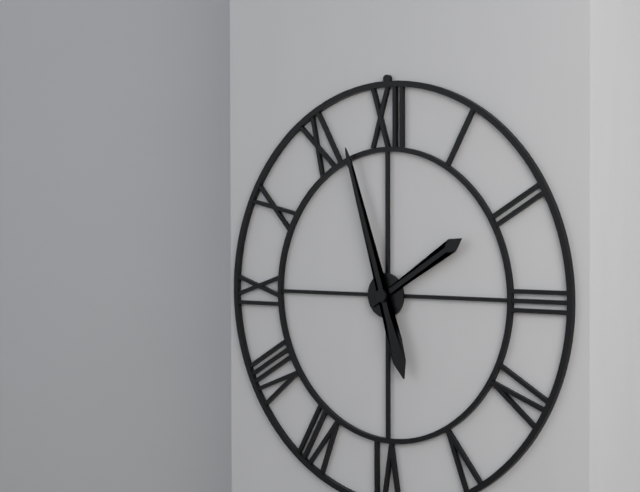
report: 1h57
